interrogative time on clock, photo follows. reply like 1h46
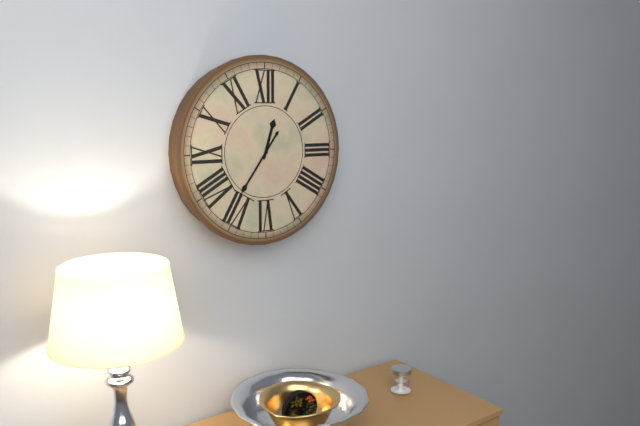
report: 12h36
